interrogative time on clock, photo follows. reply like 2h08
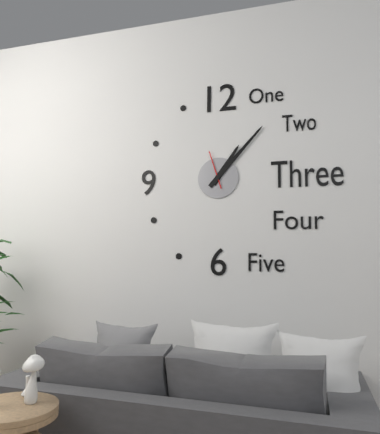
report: 1h07
